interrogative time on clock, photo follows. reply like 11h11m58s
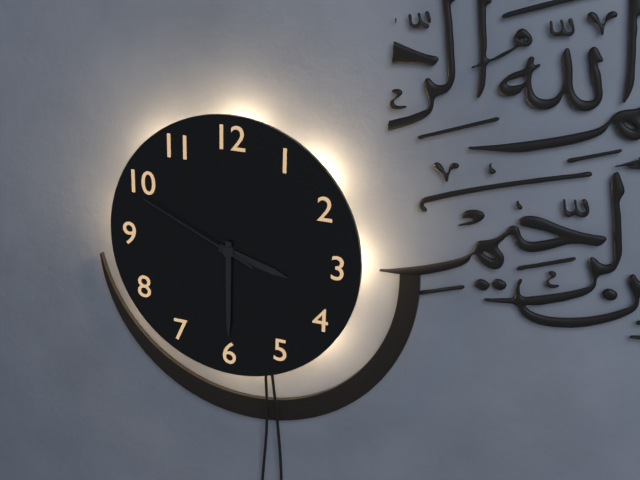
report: 3h30m49s
